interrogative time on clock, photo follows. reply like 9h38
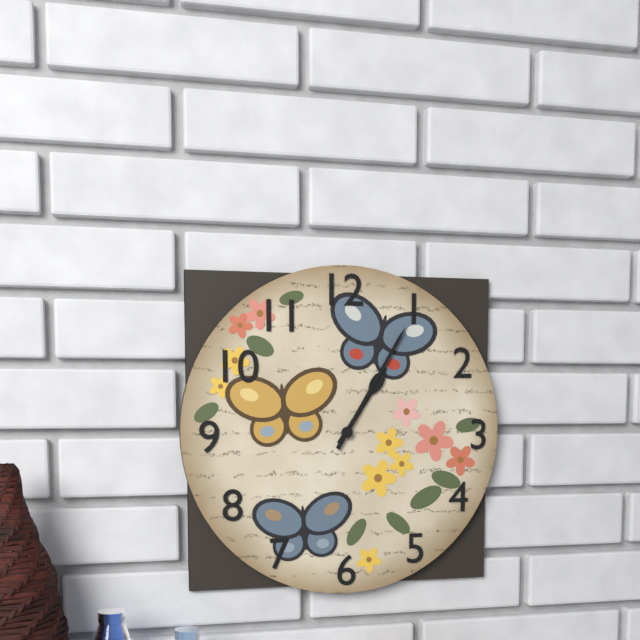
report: 1h05
